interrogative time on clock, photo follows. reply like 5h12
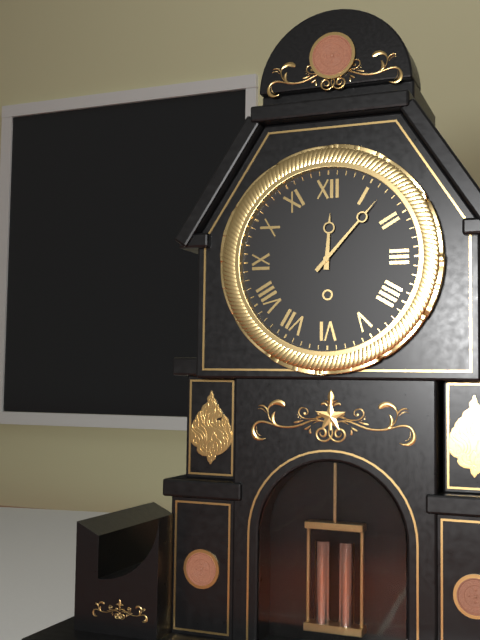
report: 12h07
